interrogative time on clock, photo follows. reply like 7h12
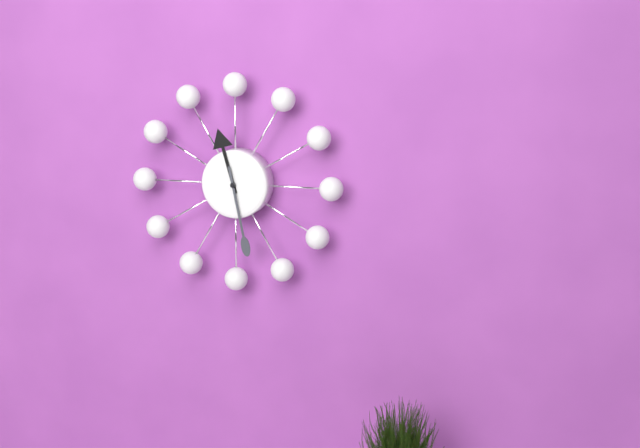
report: 11h28
